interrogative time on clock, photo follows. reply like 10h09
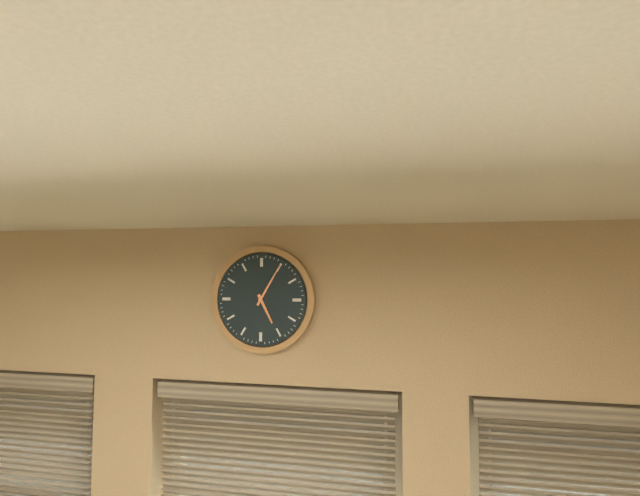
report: 5h05
